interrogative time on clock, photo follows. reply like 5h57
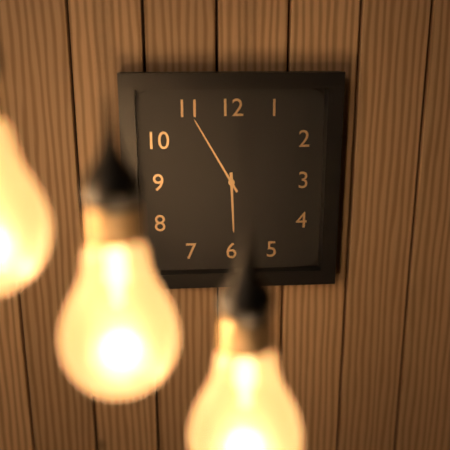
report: 5h55
